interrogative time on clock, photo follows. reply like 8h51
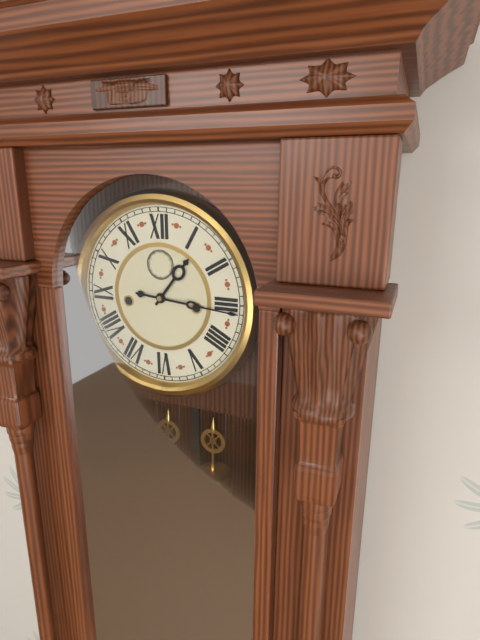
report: 1h16
